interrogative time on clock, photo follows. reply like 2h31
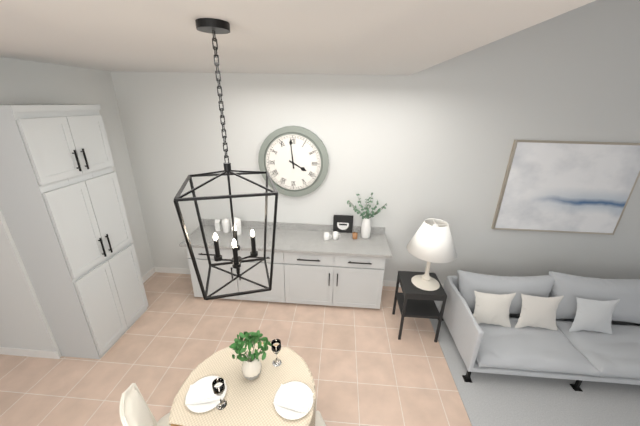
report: 3h59
